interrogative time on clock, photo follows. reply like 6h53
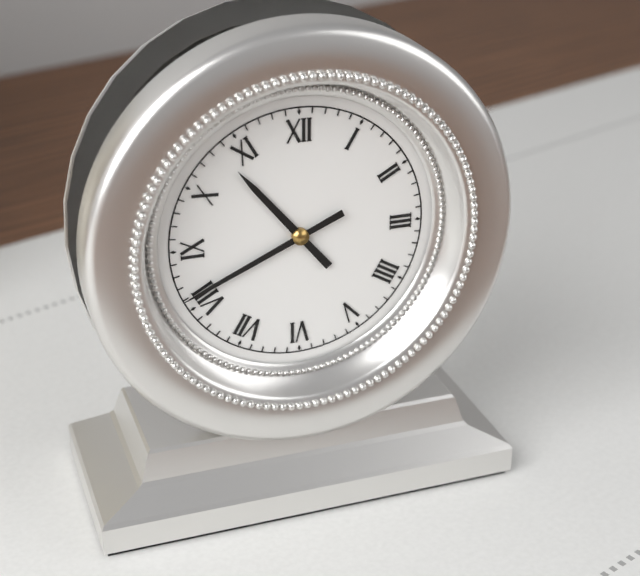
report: 10h41
